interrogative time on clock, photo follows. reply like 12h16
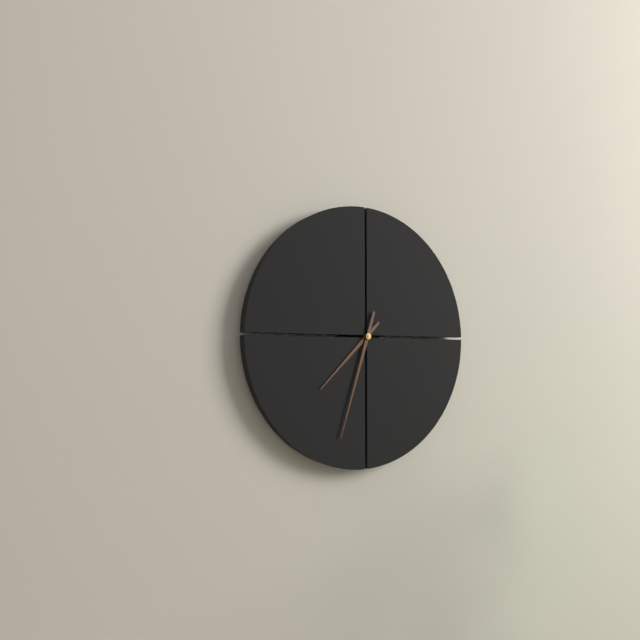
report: 7h33
